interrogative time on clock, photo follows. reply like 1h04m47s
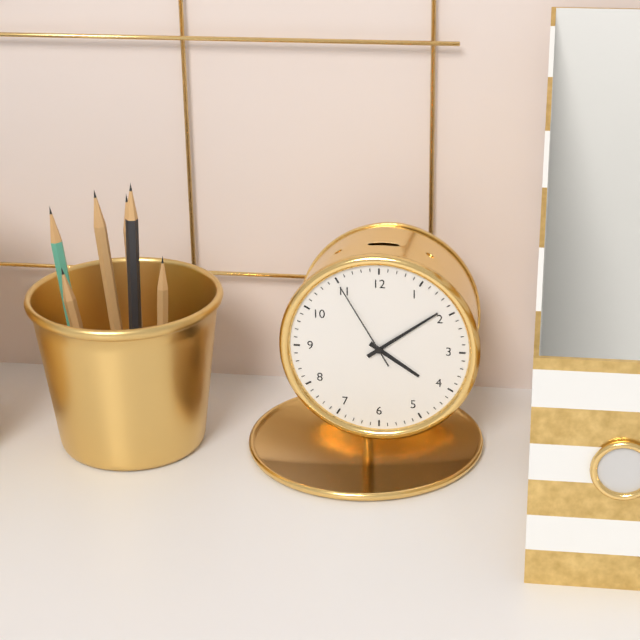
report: 4h09m55s
